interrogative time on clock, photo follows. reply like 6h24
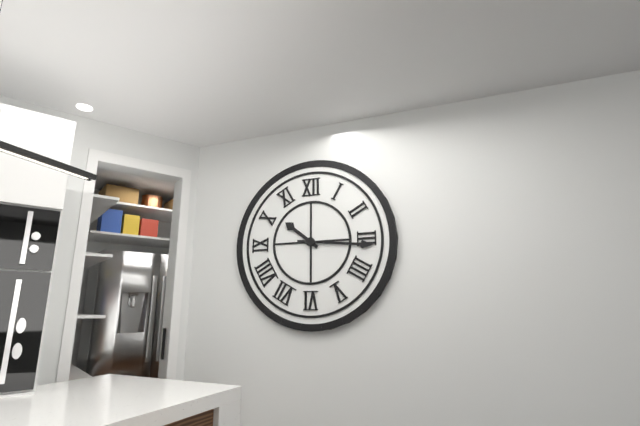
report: 10h16
